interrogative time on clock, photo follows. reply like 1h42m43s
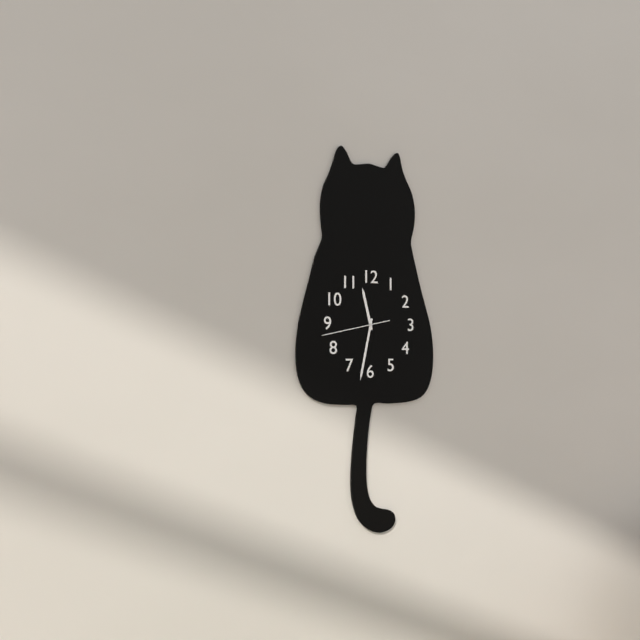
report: 11h32m43s
